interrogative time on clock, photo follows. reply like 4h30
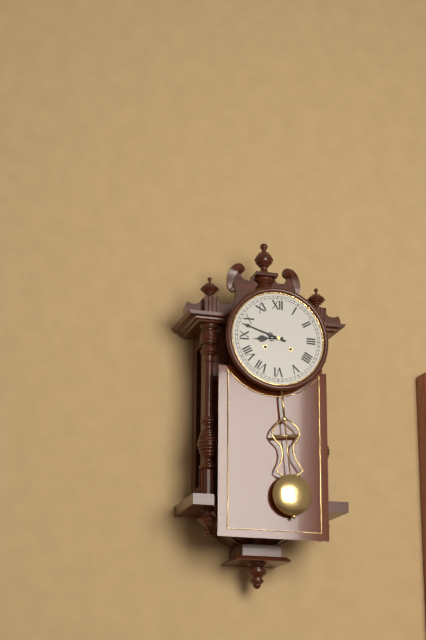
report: 8h48
